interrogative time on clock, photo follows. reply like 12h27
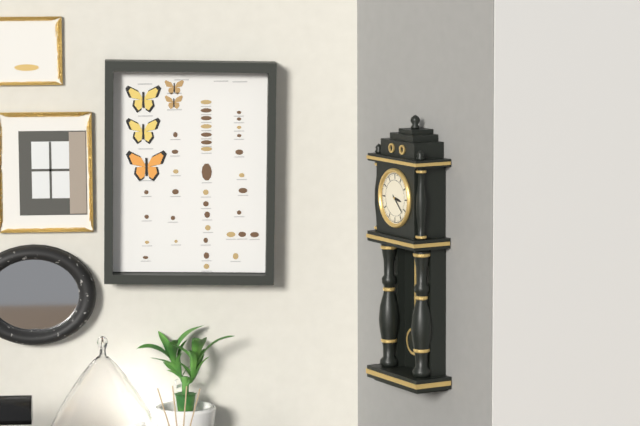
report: 3h22
